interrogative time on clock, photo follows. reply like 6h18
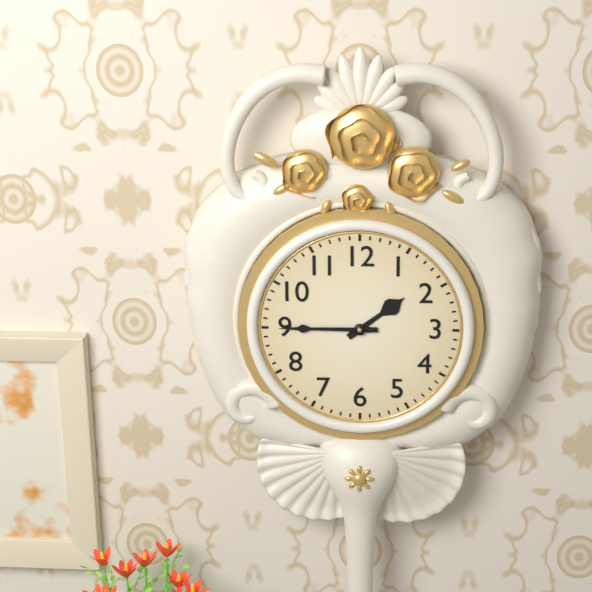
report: 1h45
